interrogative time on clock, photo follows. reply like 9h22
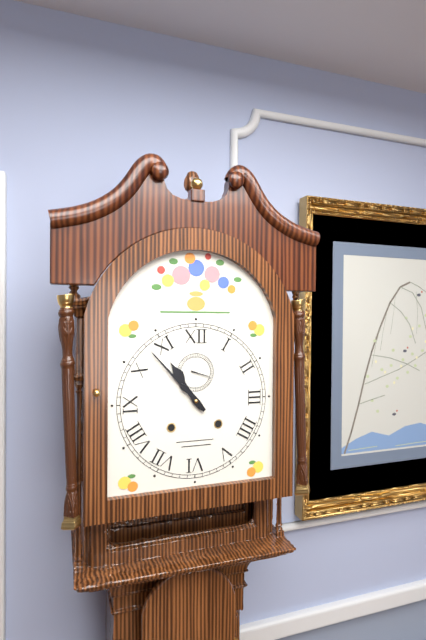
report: 10h53
